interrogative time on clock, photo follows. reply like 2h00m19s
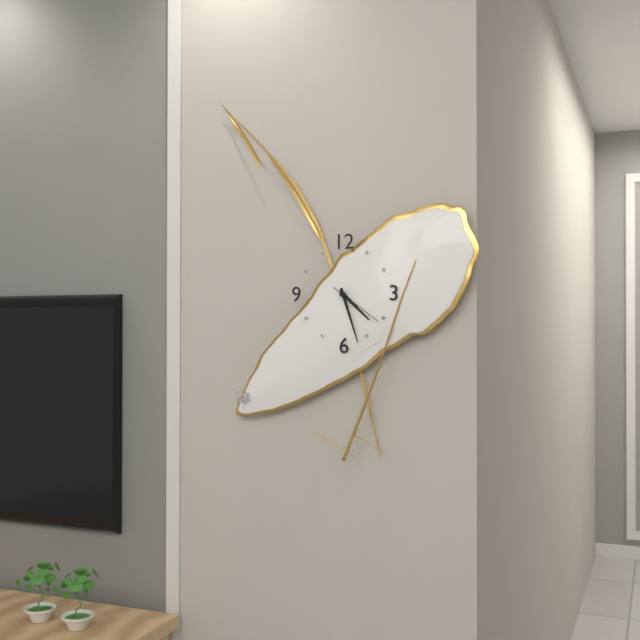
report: 4h27m21s
